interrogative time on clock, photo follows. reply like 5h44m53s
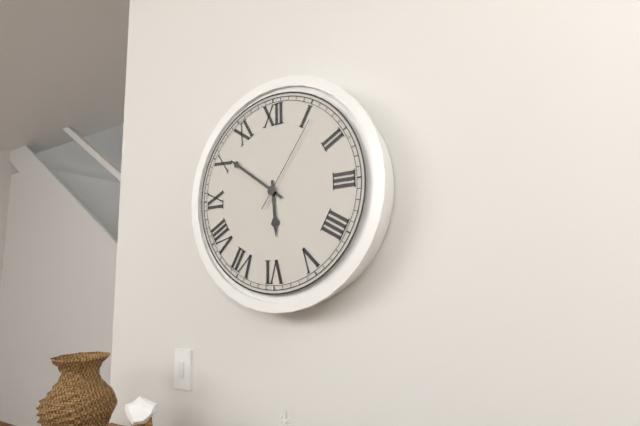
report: 5h51m06s
